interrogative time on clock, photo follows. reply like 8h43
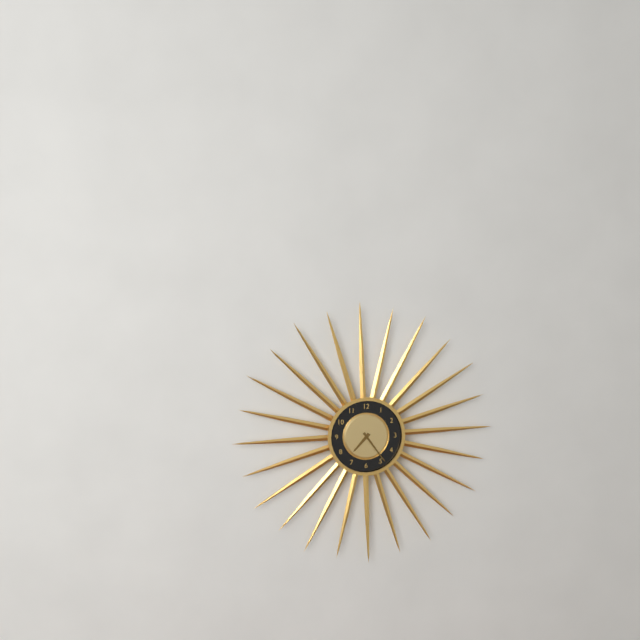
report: 7h24
